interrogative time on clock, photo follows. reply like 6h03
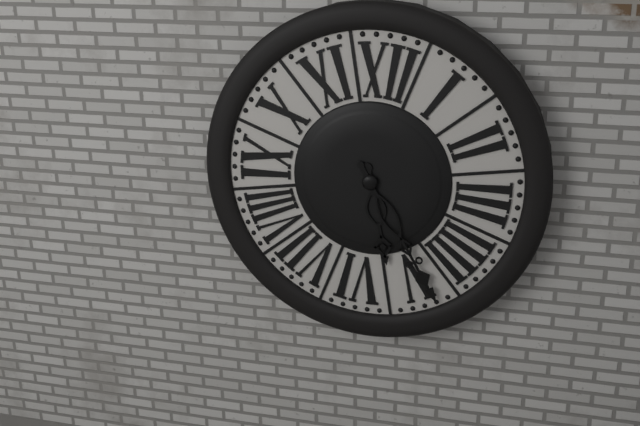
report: 5h24
